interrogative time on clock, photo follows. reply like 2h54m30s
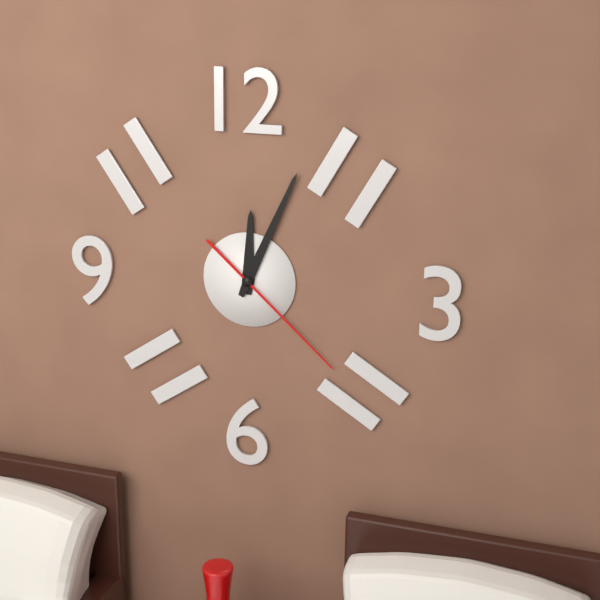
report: 12h04m22s
